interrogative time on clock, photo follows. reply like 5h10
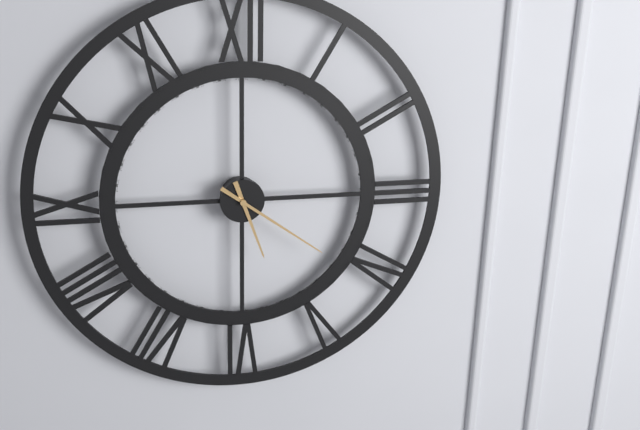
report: 5h21
